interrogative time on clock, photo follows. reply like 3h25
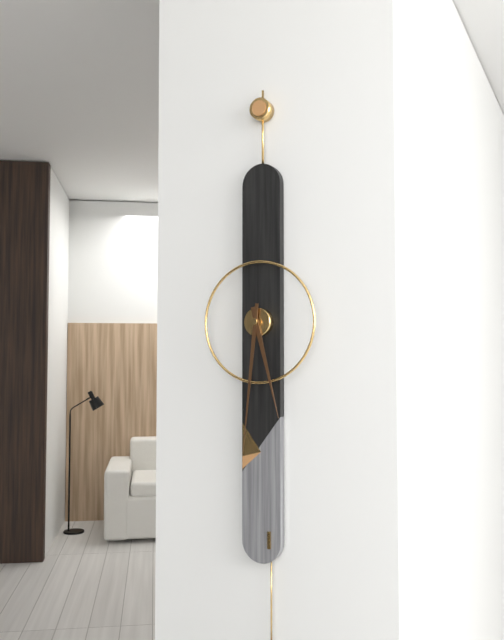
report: 5h31
